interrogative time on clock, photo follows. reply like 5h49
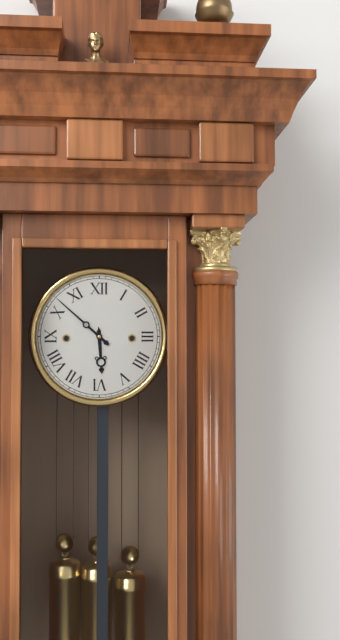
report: 5h52
